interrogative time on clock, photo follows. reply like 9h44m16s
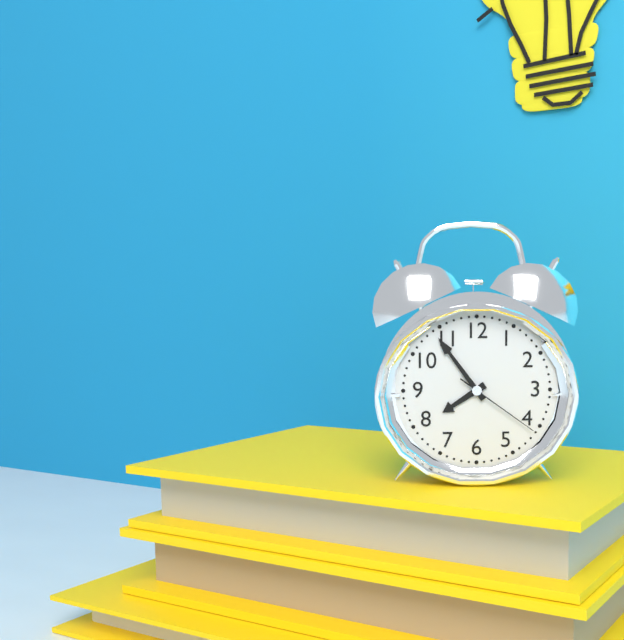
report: 7h54m21s
